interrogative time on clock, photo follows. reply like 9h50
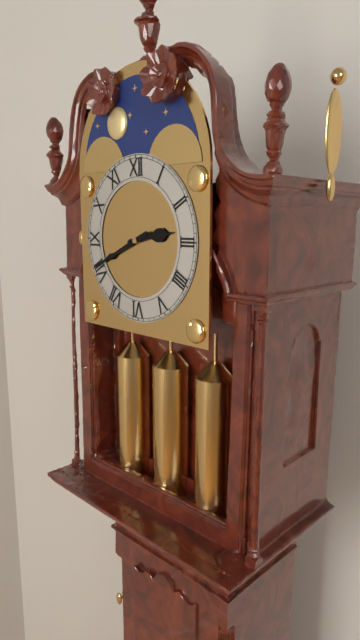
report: 2h41
